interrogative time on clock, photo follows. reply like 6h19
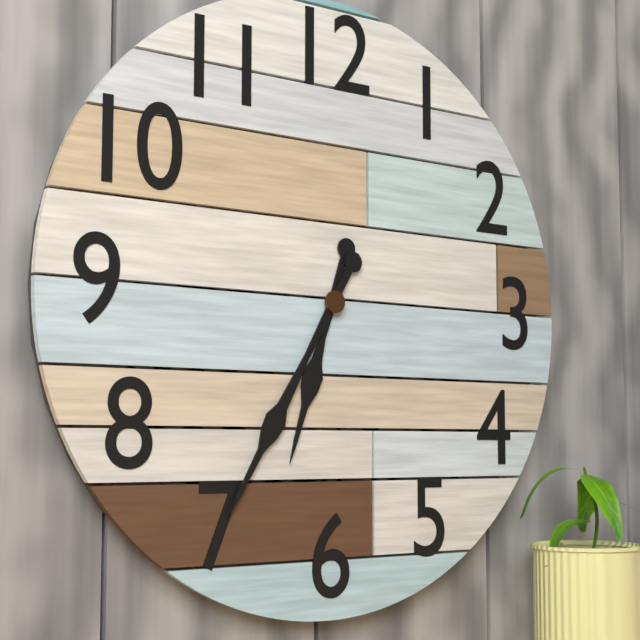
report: 6h35
